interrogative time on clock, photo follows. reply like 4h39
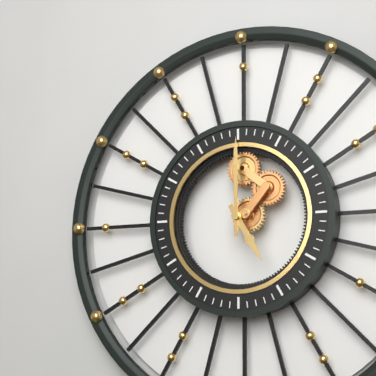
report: 5h00
